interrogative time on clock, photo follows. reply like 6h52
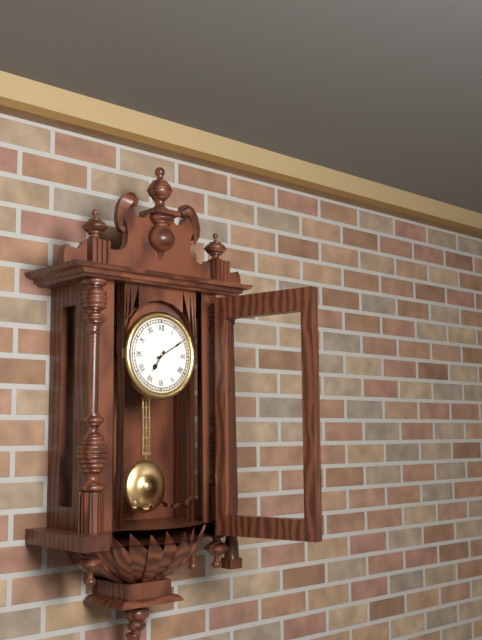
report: 7h10
